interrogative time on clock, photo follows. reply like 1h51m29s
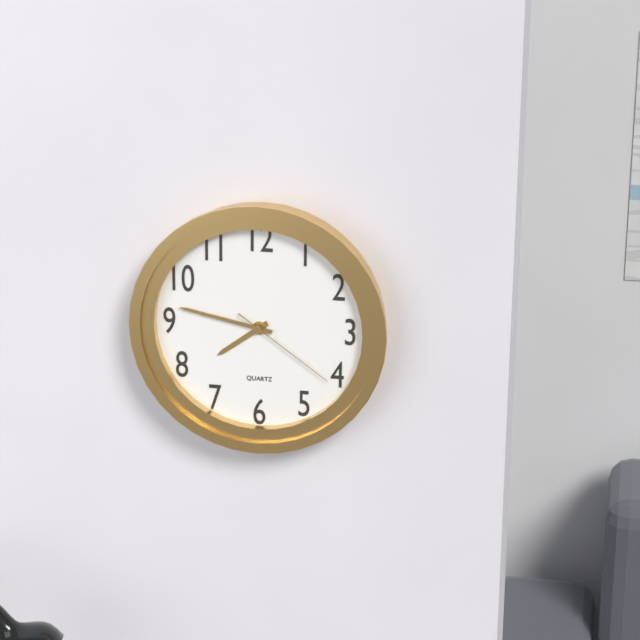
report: 7h47m21s
